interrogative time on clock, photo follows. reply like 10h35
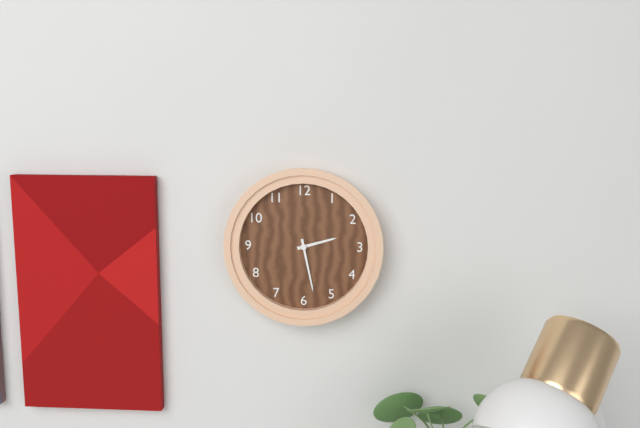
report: 2h28
